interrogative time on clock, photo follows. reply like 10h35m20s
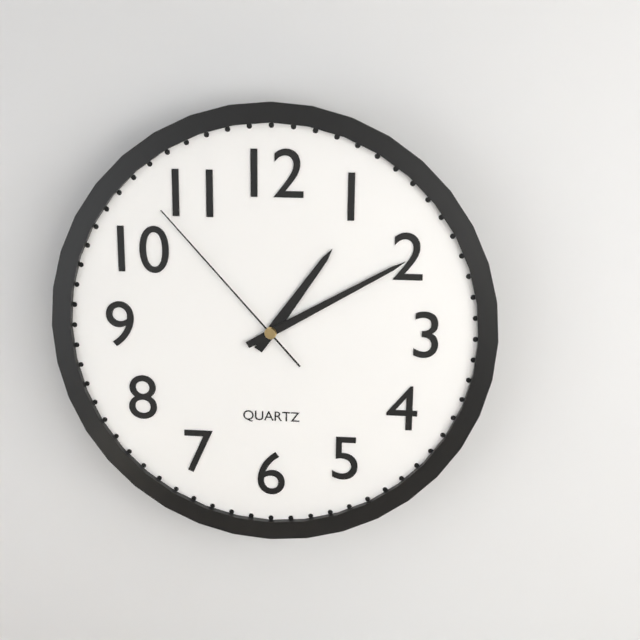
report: 1h10m53s
